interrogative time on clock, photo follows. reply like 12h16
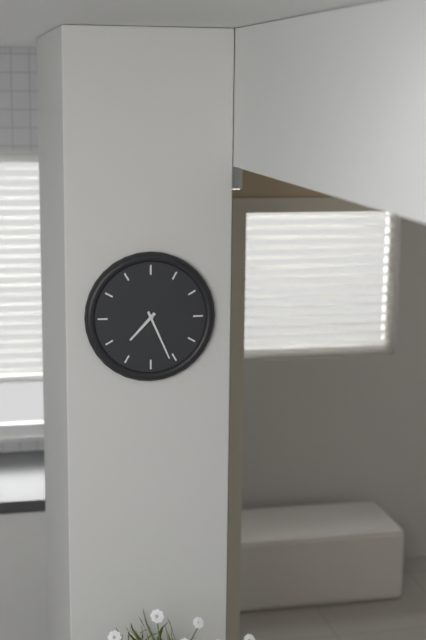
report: 7h26
